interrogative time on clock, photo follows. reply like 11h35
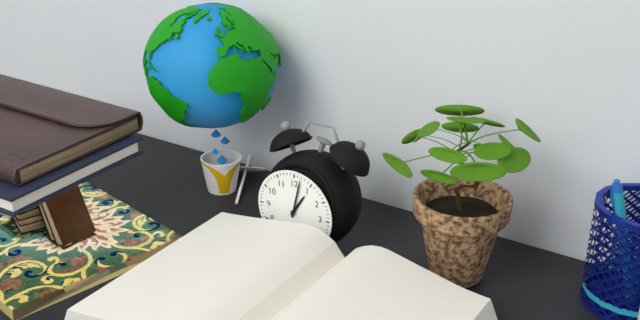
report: 1h02
